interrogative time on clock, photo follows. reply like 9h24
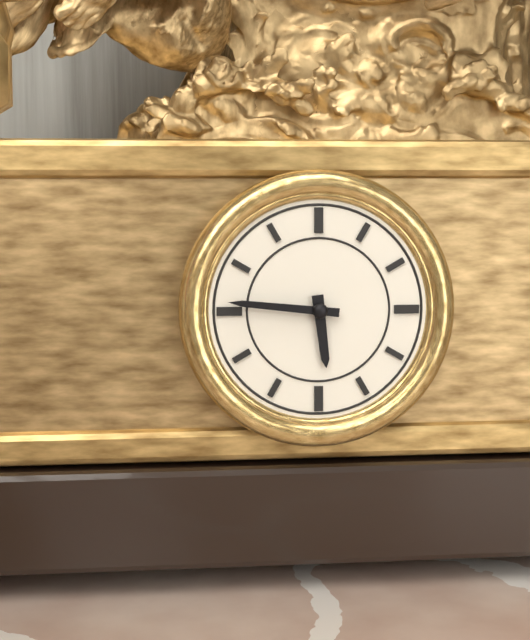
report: 5h46
